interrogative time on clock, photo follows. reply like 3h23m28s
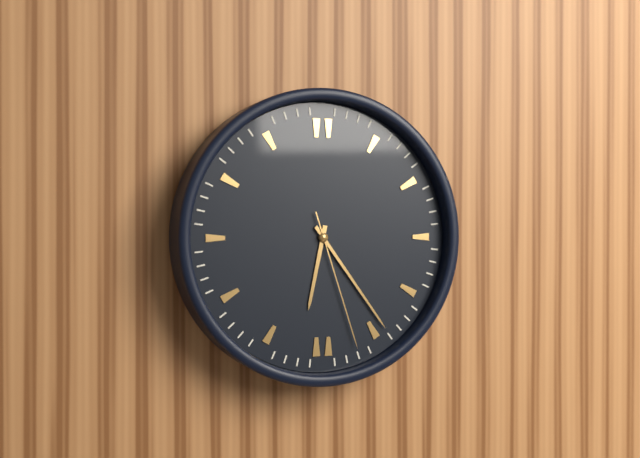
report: 6h24m27s
